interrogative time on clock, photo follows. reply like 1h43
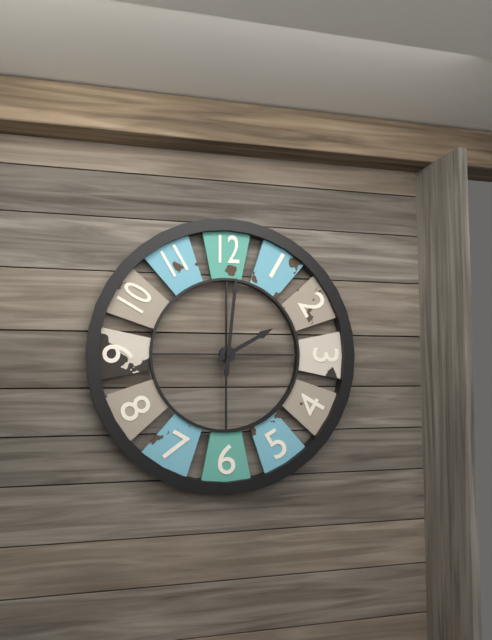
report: 2h01
